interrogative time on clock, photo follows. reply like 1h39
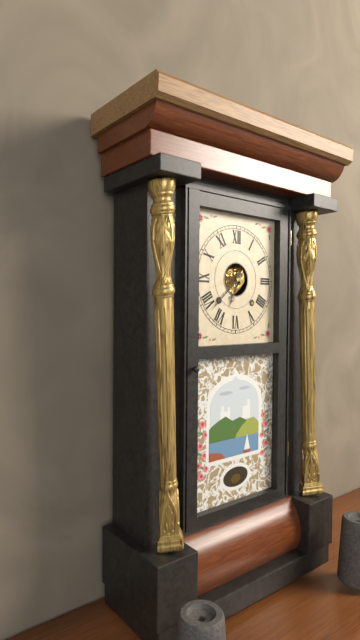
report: 6h38
